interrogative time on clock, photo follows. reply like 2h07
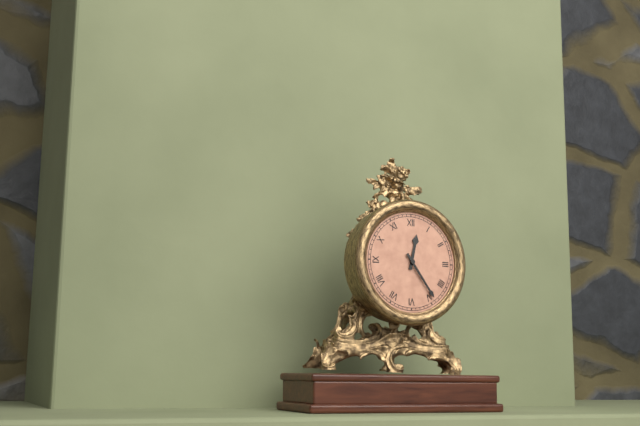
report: 12h24
